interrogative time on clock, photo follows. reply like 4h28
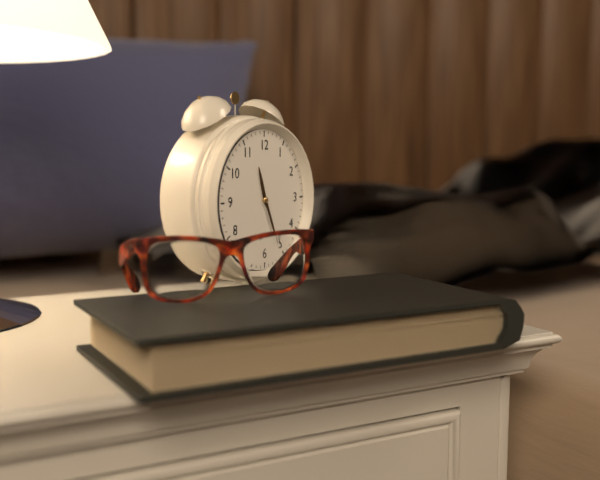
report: 11h26
